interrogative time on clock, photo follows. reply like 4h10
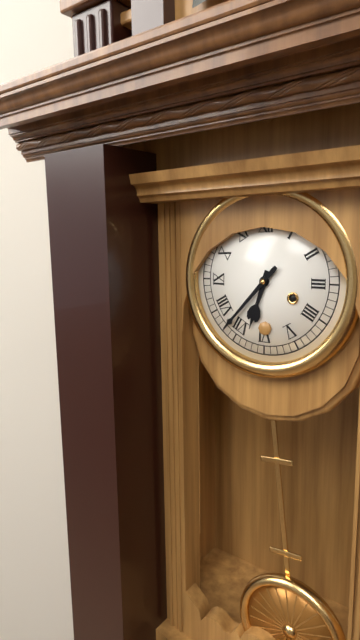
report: 6h37
